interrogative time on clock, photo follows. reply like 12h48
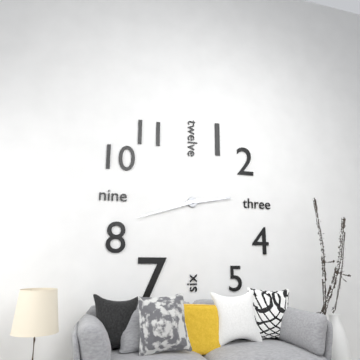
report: 2h42
